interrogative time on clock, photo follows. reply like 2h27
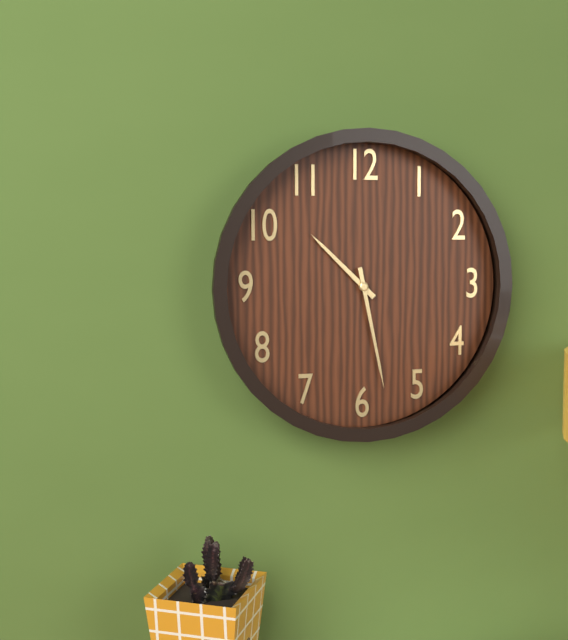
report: 10h28
